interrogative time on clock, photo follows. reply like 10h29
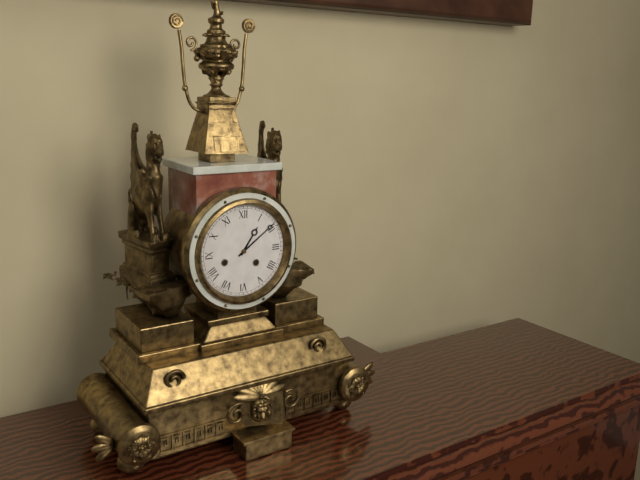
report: 1h09
